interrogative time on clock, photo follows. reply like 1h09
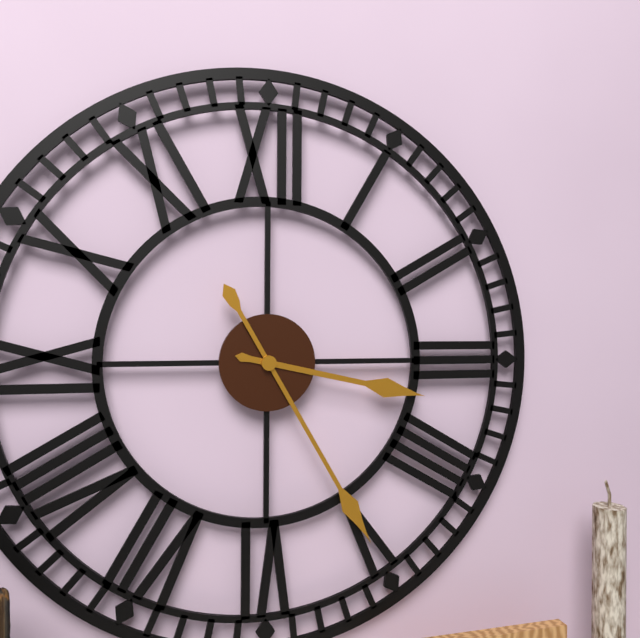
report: 3h25
